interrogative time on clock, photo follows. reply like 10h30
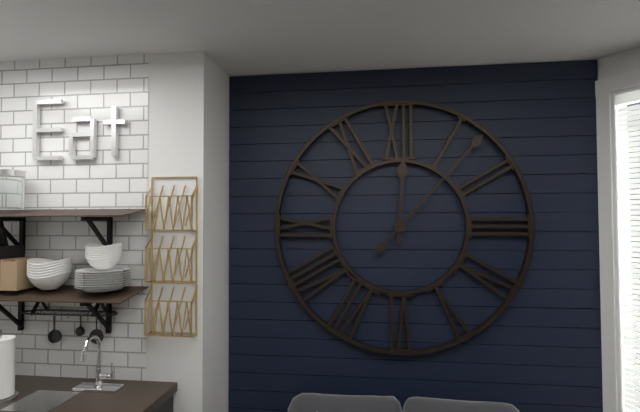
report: 12h07
